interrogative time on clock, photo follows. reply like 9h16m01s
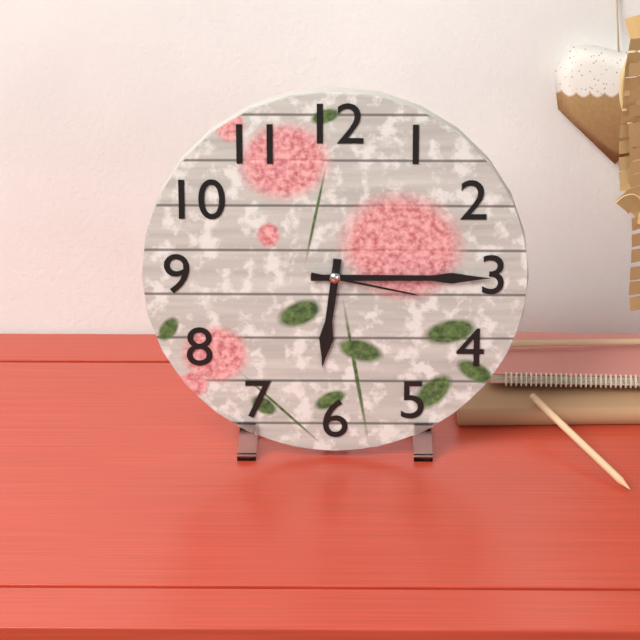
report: 6h15m17s
